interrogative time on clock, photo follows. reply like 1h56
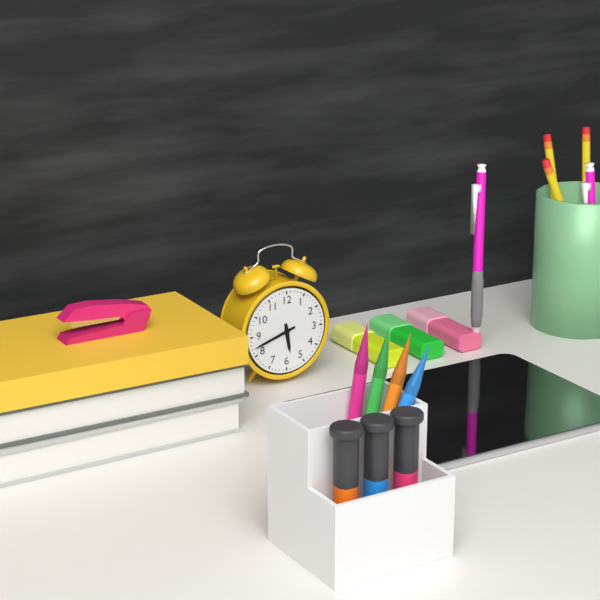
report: 5h42
